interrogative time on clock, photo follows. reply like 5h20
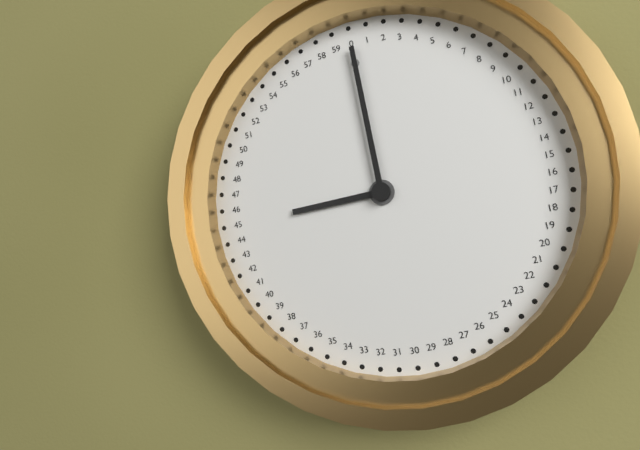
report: 9h00
